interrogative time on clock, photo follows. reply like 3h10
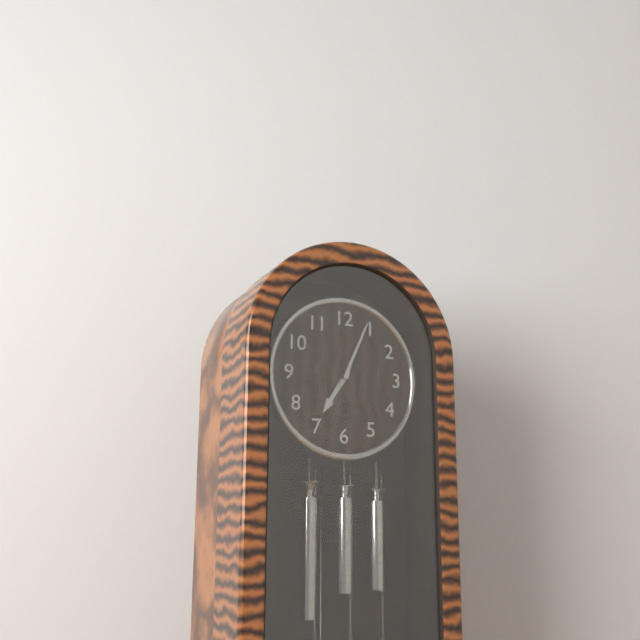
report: 7h04
